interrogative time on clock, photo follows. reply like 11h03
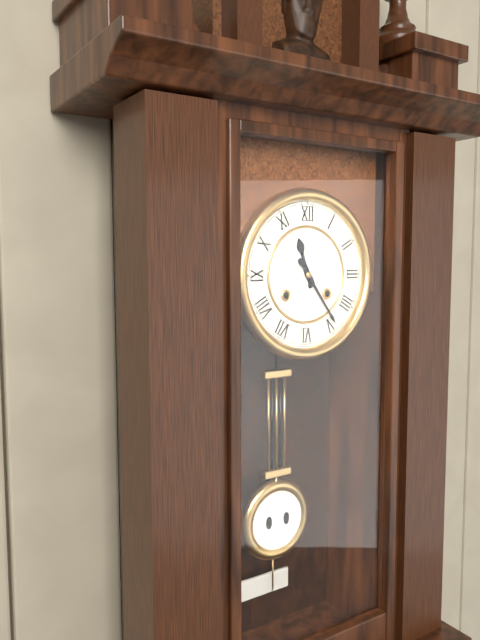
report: 11h24
